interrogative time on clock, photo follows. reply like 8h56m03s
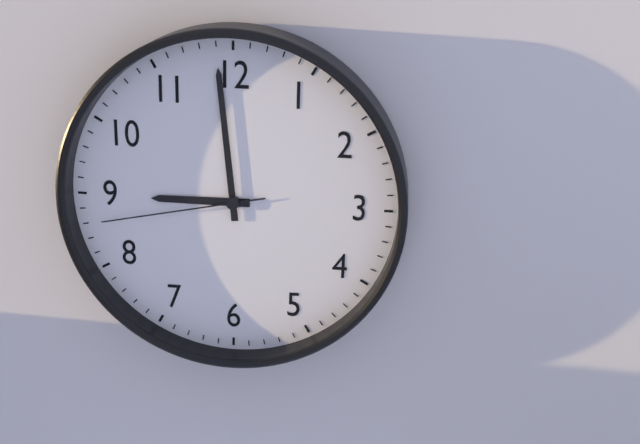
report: 8h59m43s
